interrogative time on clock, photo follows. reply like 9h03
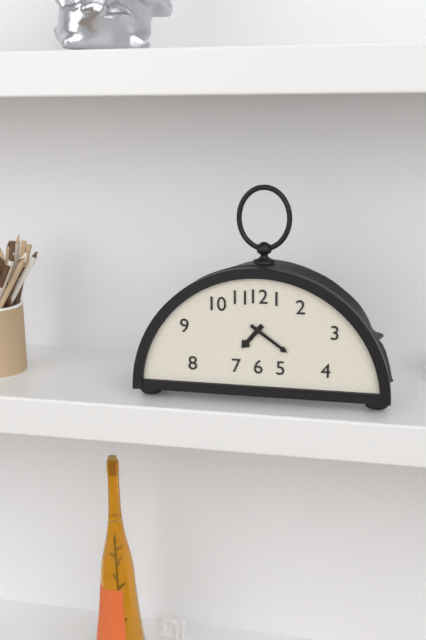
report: 7h21
